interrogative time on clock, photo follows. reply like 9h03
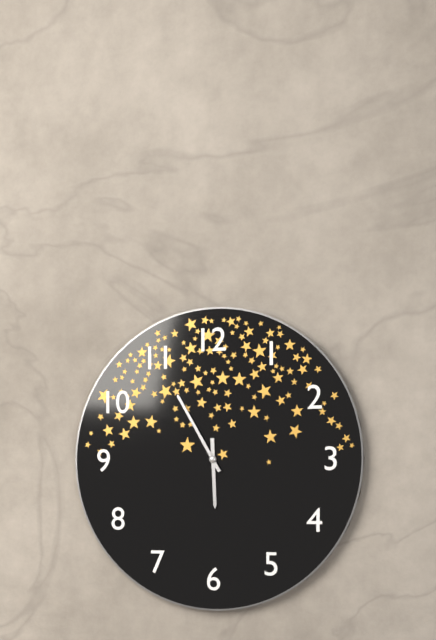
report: 5h55
